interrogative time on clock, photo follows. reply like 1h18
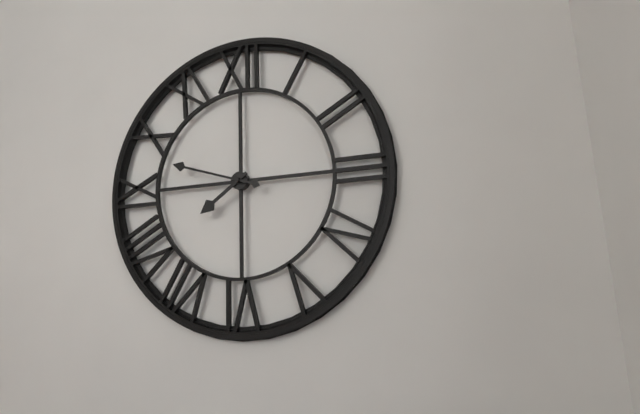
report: 7h48
